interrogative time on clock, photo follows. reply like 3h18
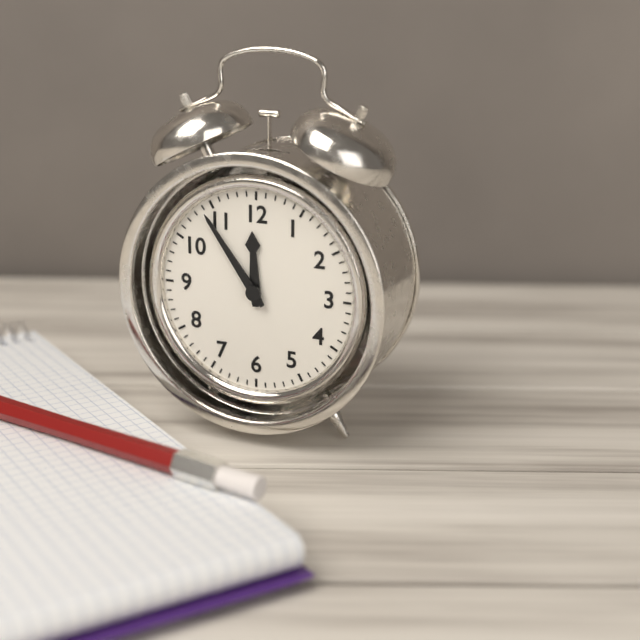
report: 11h54
